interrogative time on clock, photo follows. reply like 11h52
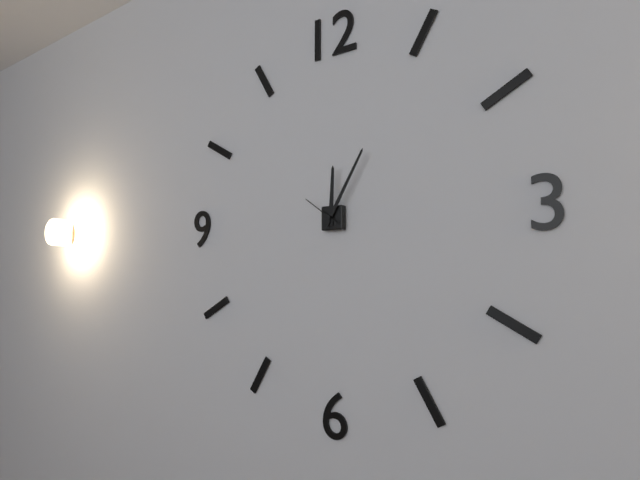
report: 12h05
